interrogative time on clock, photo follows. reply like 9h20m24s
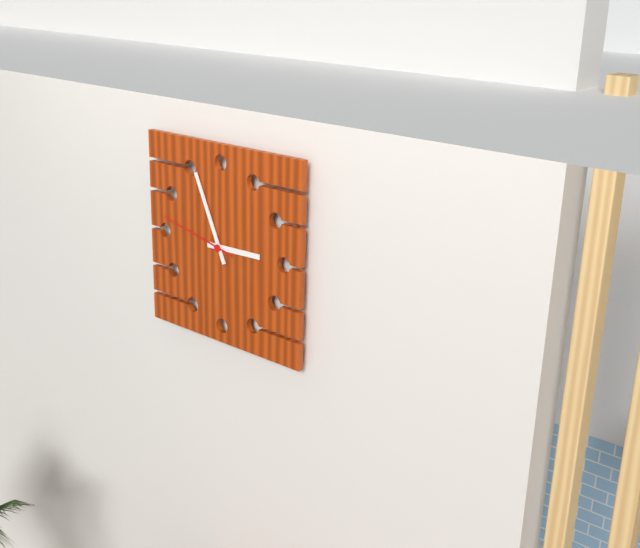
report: 2h56m47s
